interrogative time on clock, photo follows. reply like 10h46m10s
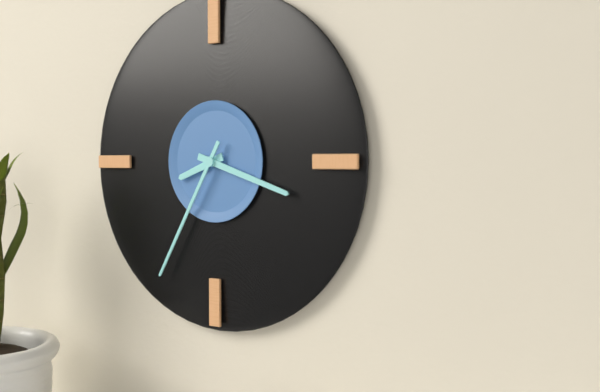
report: 8h18m35s
